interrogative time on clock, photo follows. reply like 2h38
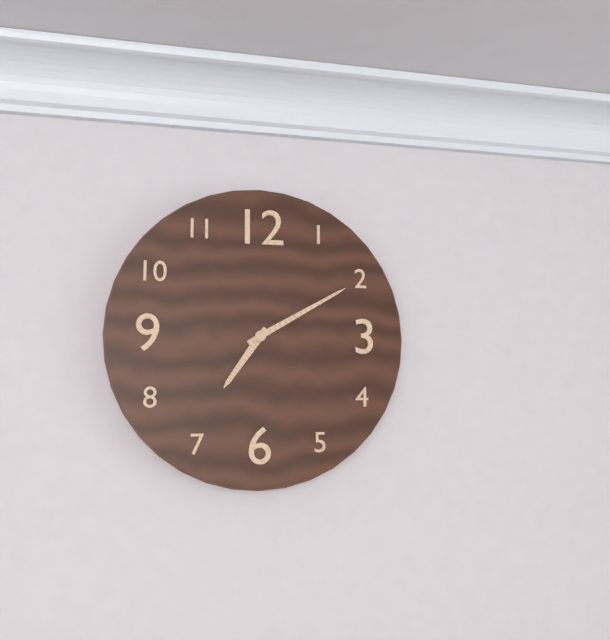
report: 7h10
